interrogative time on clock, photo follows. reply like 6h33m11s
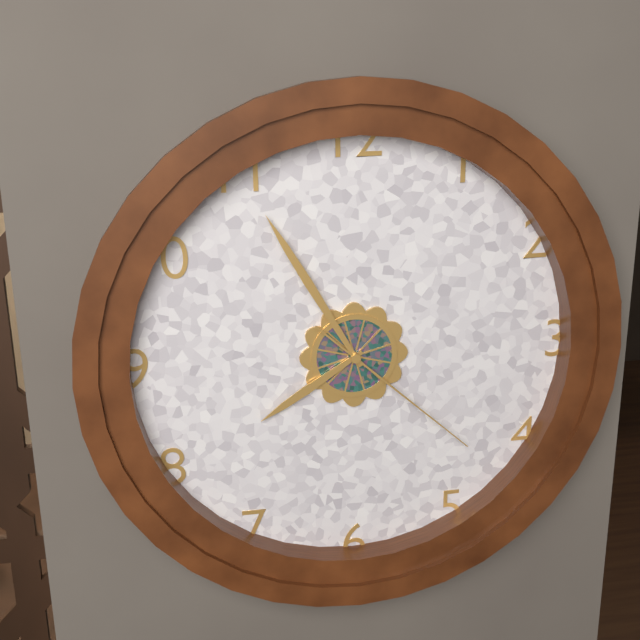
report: 7h55m22s
